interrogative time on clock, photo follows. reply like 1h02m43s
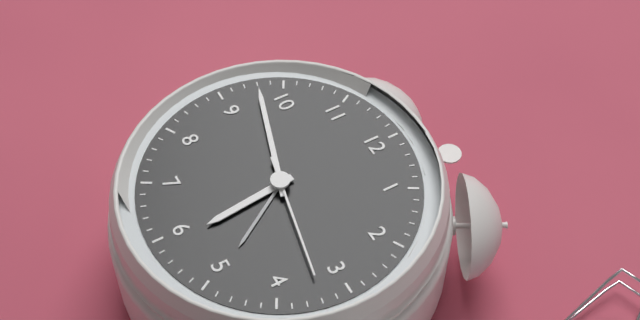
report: 5h48m17s
